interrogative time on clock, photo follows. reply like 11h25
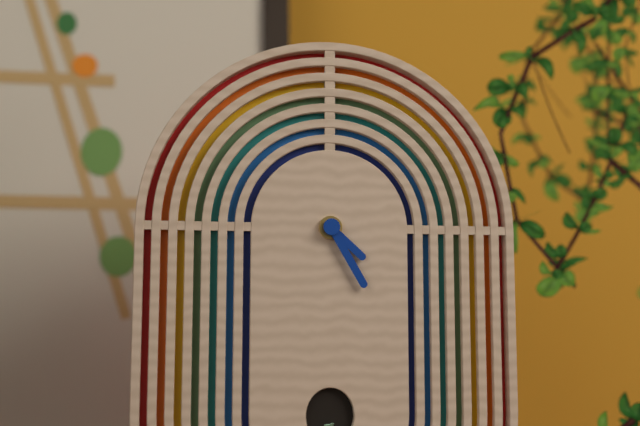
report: 4h25
